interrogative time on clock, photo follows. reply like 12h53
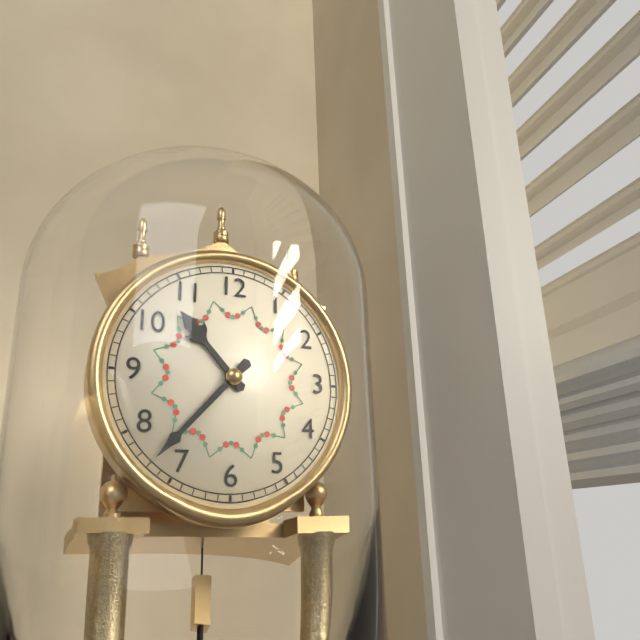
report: 10h37
